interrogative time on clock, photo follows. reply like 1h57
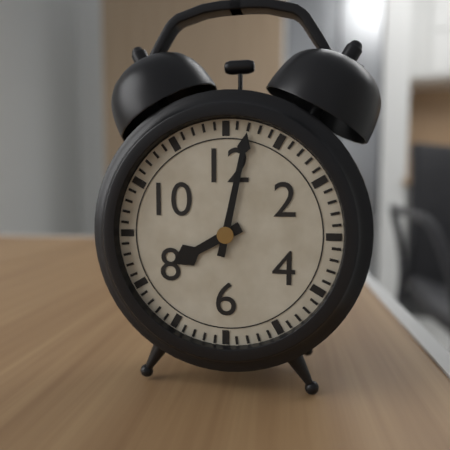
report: 8h02
